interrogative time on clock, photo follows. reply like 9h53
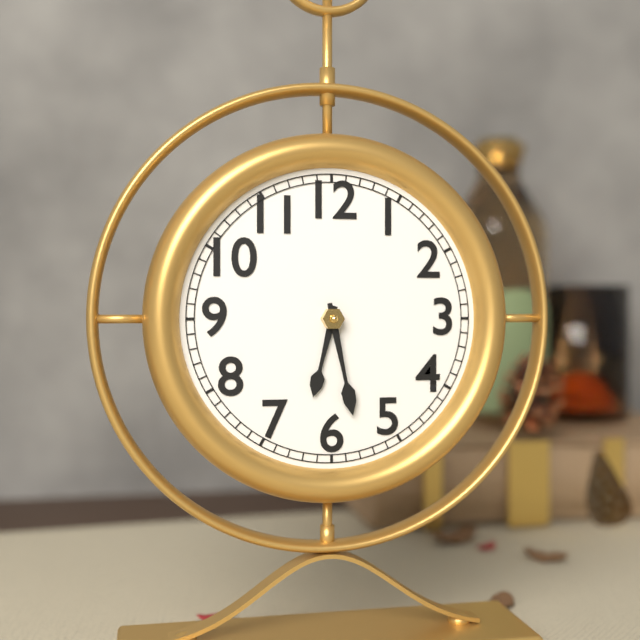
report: 6h28
